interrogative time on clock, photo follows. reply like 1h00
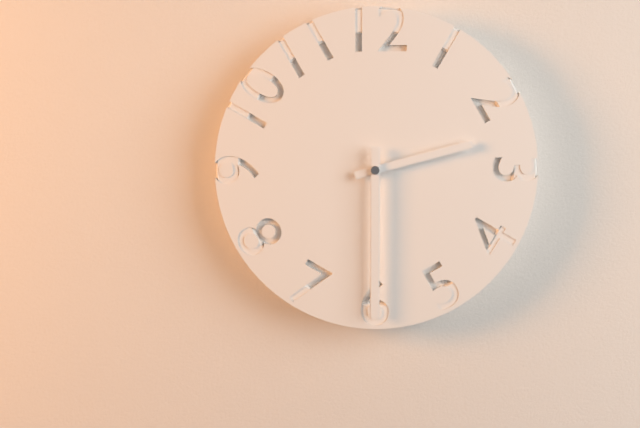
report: 2h30
